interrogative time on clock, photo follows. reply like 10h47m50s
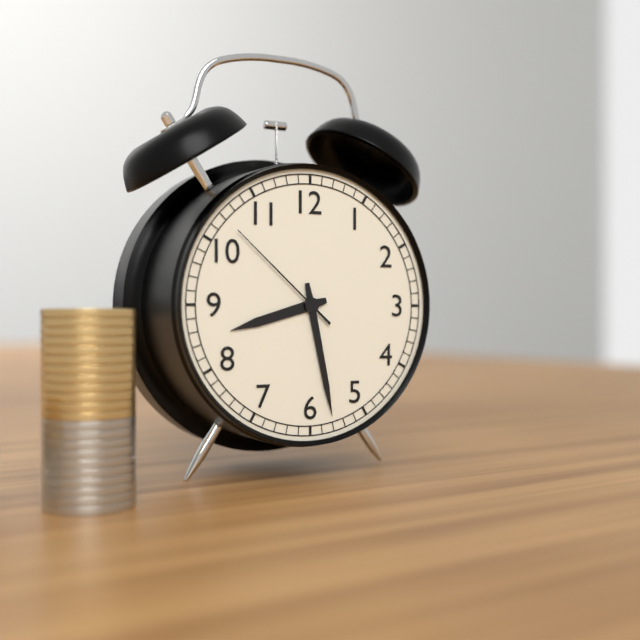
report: 8h28m52s
